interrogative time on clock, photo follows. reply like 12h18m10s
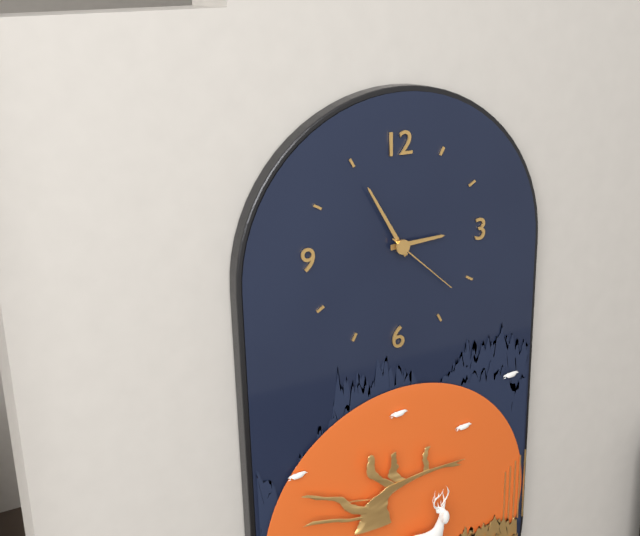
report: 2h55m22s
